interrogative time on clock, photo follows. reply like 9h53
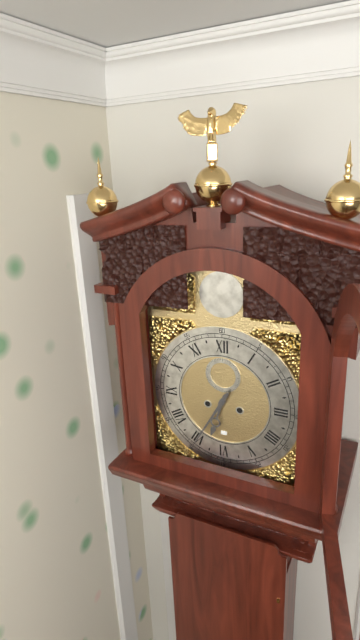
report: 6h35
